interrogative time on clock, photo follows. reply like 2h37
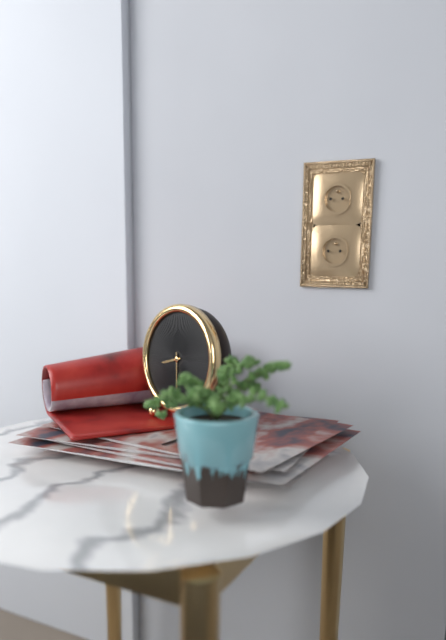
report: 8h29
